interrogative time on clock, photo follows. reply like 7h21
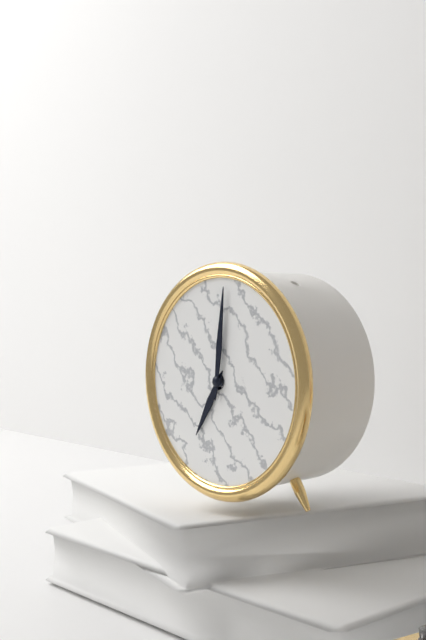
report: 7h01
